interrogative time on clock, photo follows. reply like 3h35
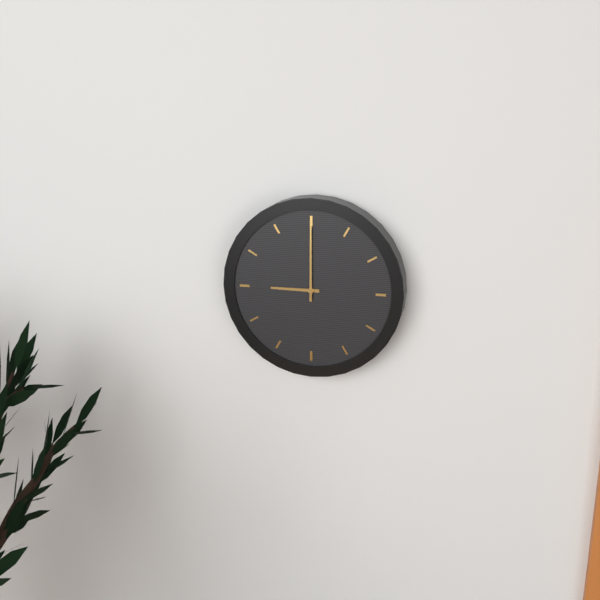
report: 9h00
